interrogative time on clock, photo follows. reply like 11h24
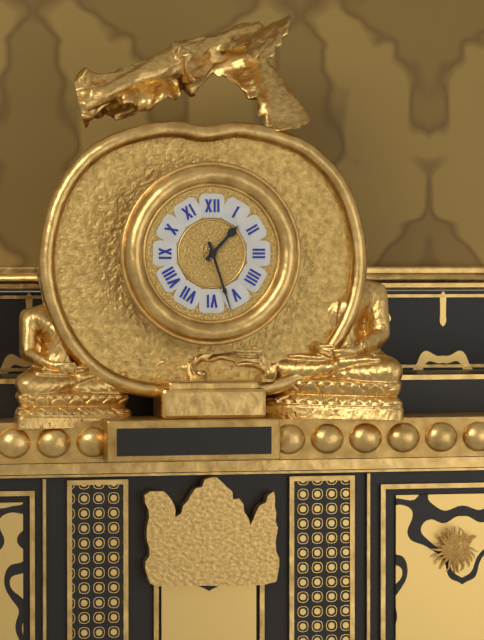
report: 1h27
